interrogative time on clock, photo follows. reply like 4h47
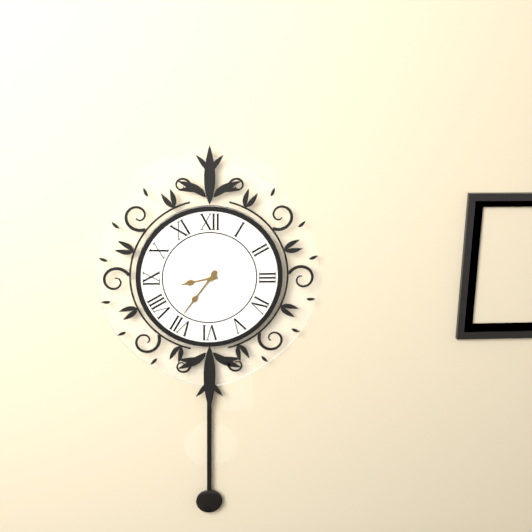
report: 8h36
